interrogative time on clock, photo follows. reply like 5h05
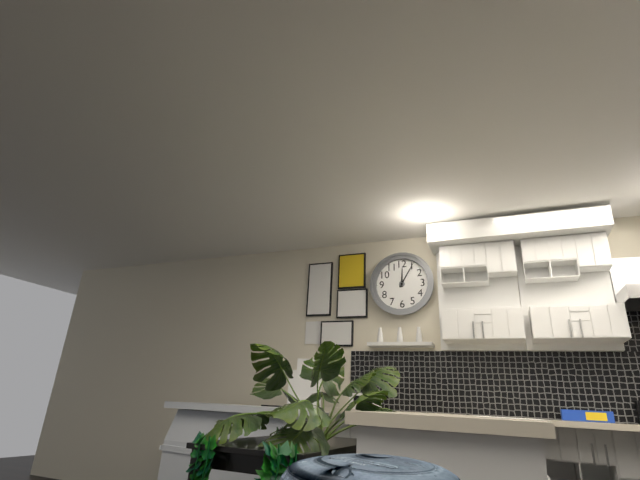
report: 12h05
